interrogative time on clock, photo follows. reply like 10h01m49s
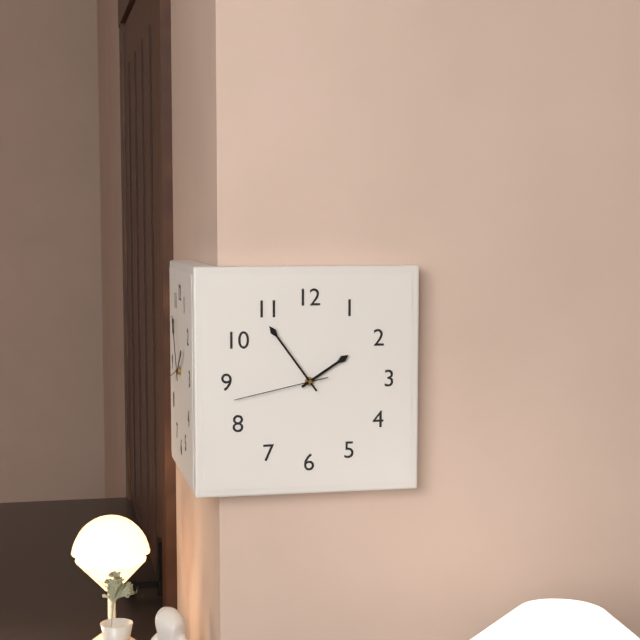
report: 1h54m43s
